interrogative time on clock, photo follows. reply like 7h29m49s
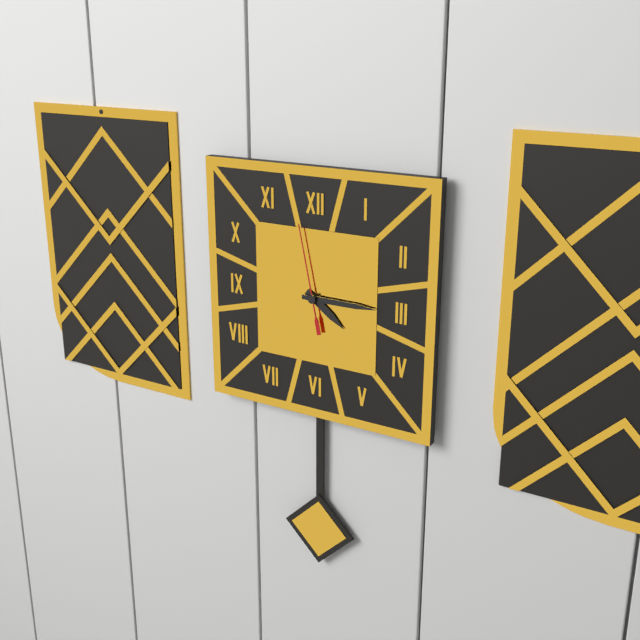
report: 4h15m58s
